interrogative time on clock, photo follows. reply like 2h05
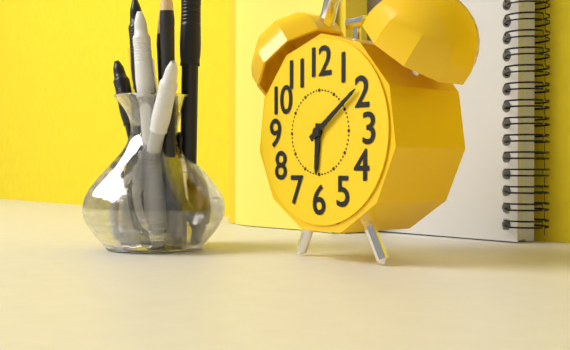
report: 6h09
